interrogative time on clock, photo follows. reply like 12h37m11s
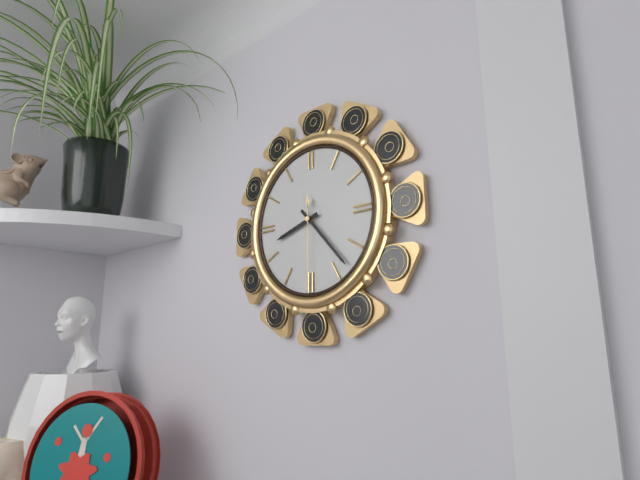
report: 8h23m30s
